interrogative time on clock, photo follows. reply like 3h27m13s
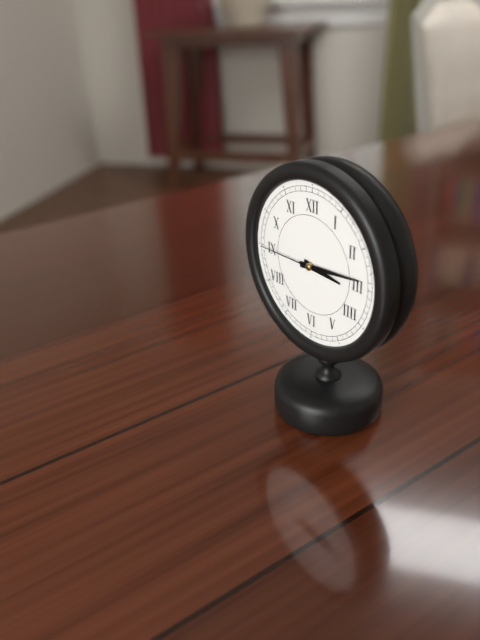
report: 3h14m45s
